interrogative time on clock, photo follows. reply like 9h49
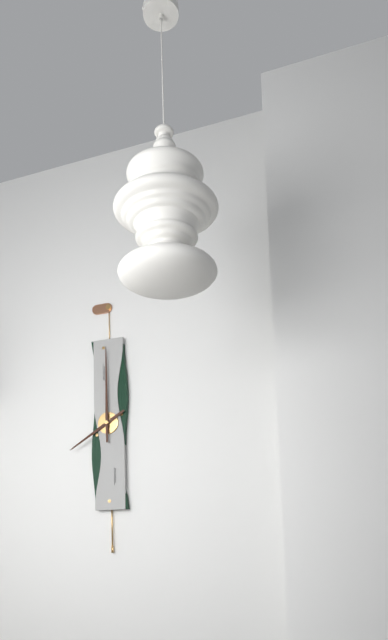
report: 8h00
